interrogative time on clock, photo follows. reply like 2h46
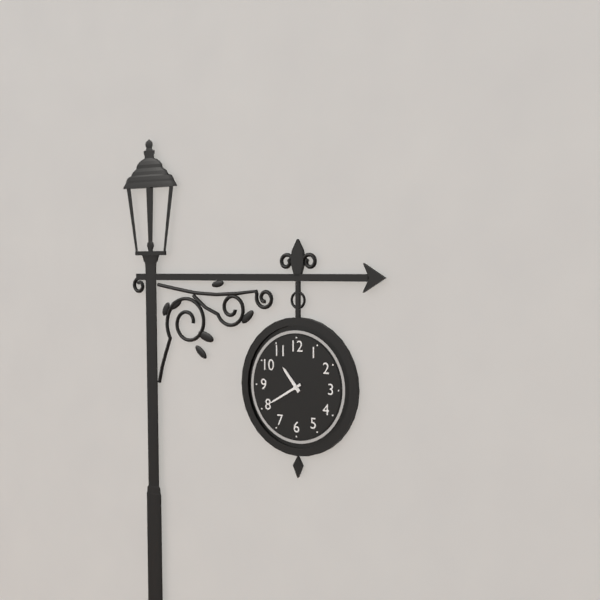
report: 10h40
